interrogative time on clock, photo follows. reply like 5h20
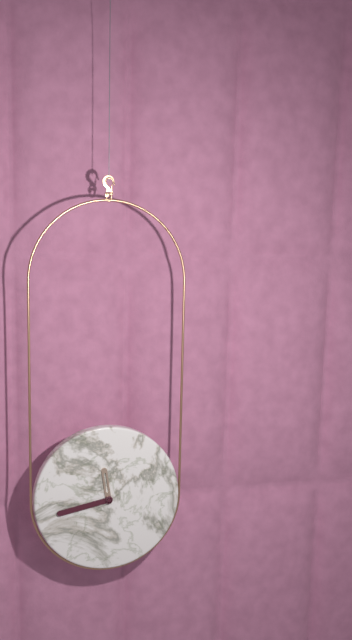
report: 11h43
